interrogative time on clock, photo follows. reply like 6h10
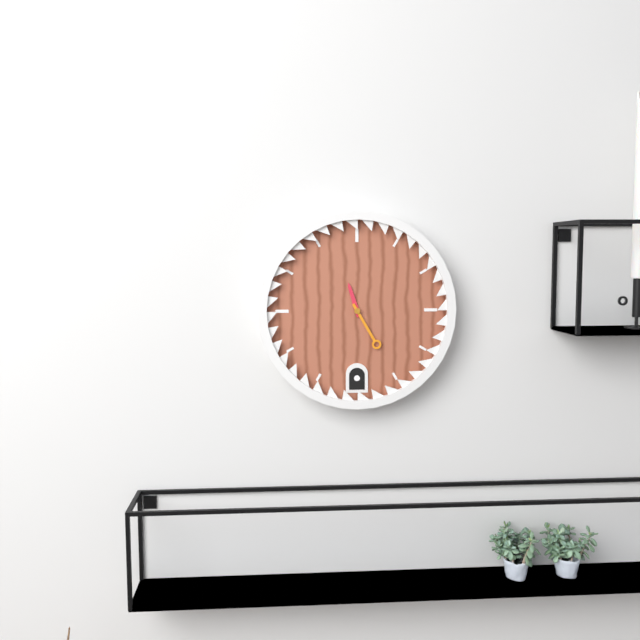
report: 11h25
